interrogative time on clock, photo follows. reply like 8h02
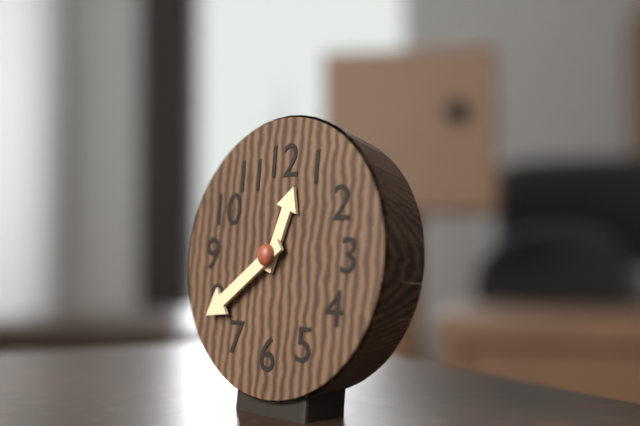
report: 12h39
